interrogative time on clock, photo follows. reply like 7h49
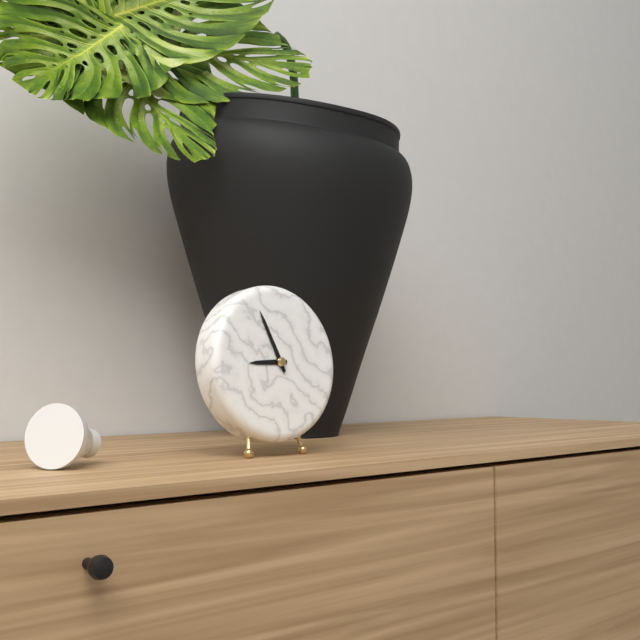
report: 8h56
